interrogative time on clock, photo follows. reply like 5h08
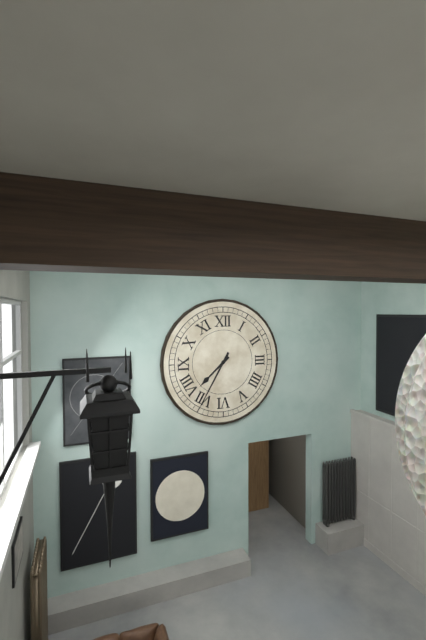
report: 7h35
